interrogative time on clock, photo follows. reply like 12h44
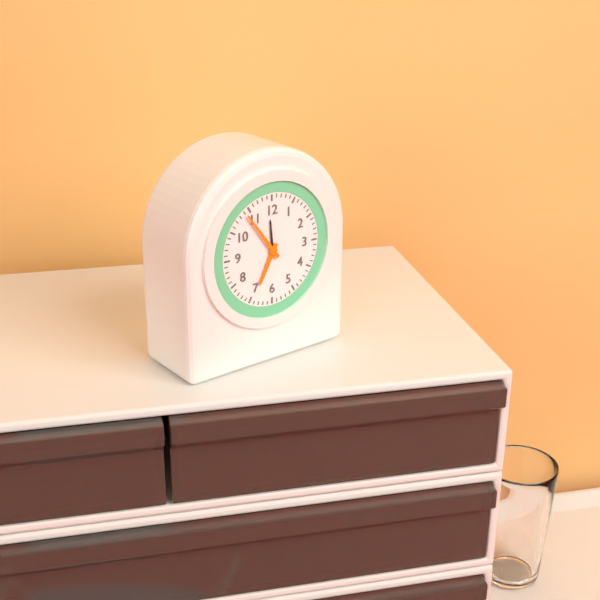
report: 6h54
